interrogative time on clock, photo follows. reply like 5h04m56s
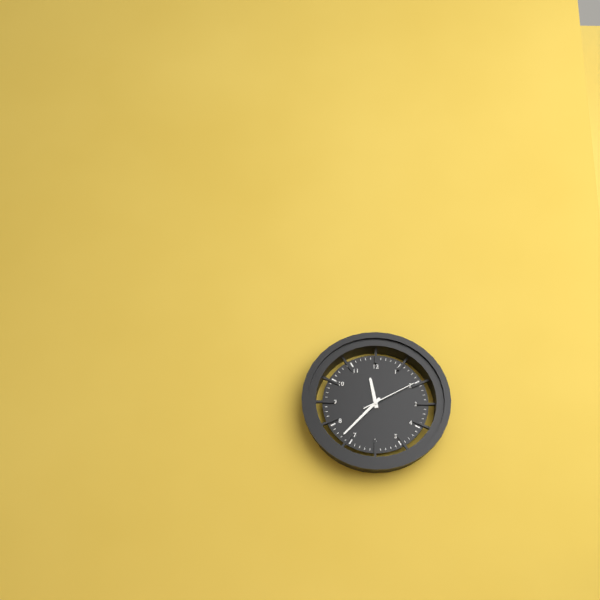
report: 11h37m10s
